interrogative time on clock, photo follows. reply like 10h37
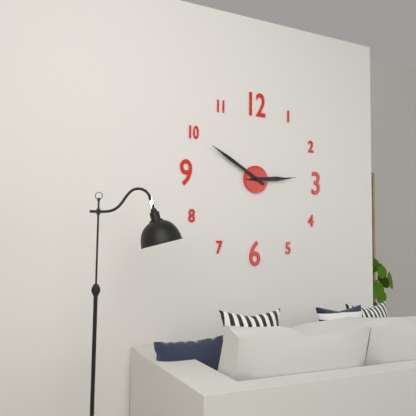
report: 2h50
